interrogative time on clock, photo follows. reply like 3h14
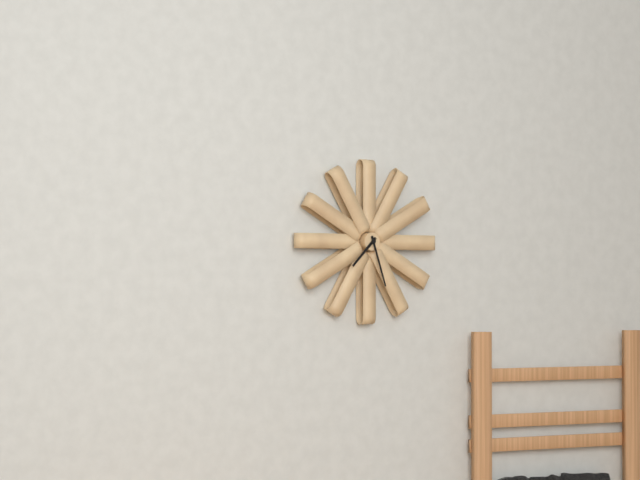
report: 7h27
